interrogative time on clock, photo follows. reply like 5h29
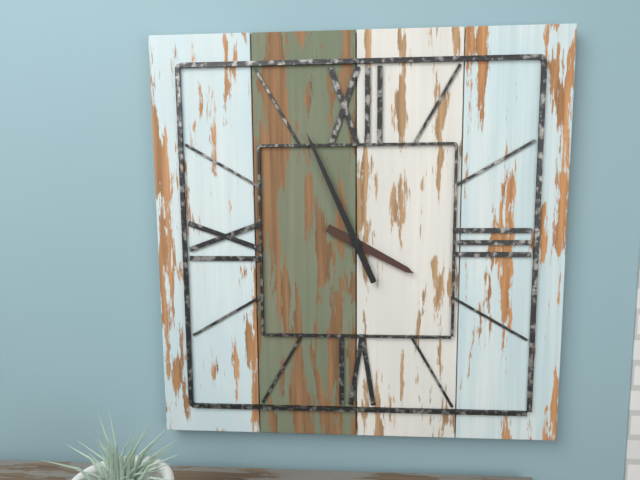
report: 3h56
